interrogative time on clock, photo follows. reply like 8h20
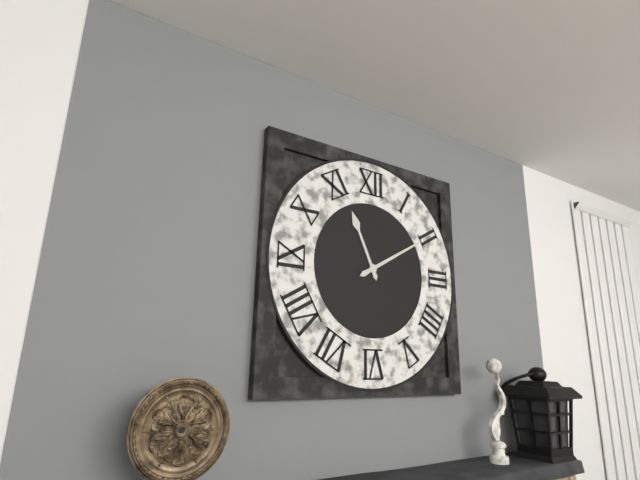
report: 11h10
